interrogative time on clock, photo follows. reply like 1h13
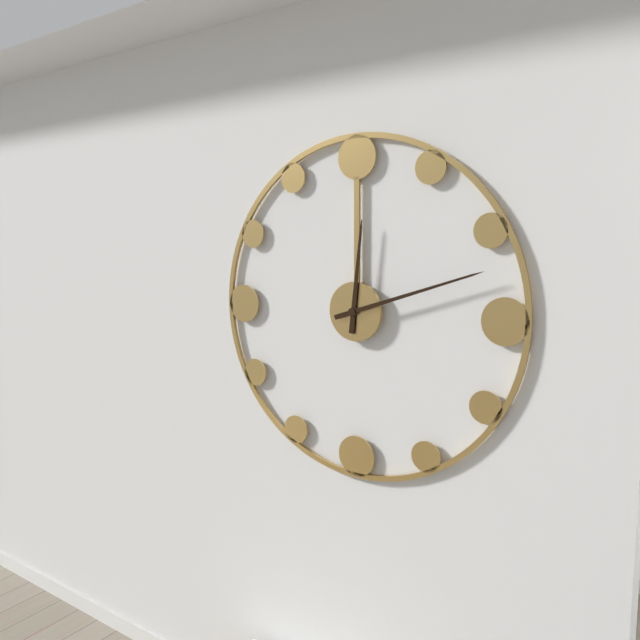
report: 12h12
